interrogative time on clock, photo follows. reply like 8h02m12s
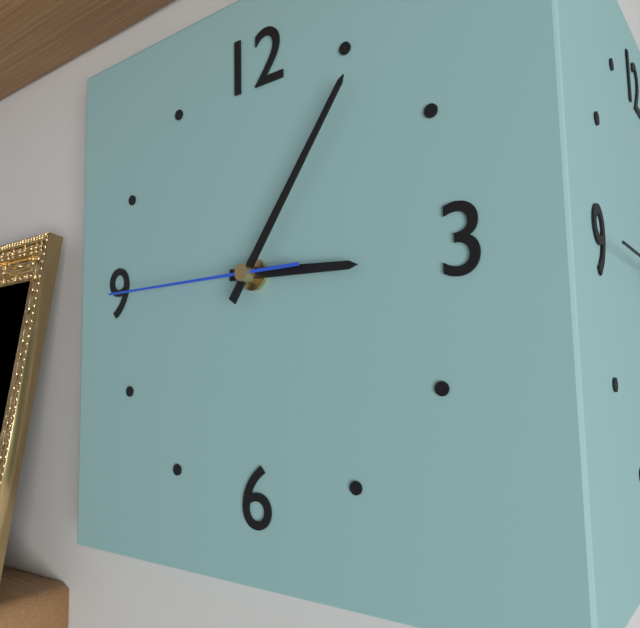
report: 3h06m45s
